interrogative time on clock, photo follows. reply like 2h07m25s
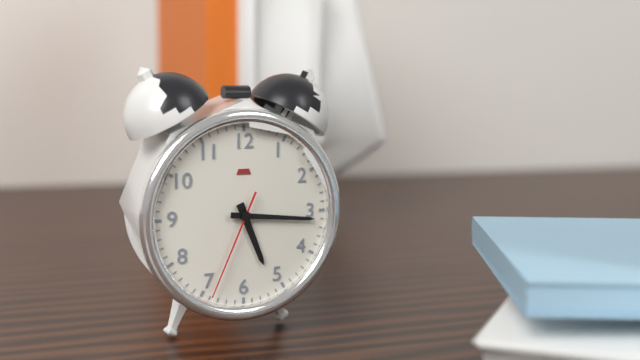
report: 5h16m34s
